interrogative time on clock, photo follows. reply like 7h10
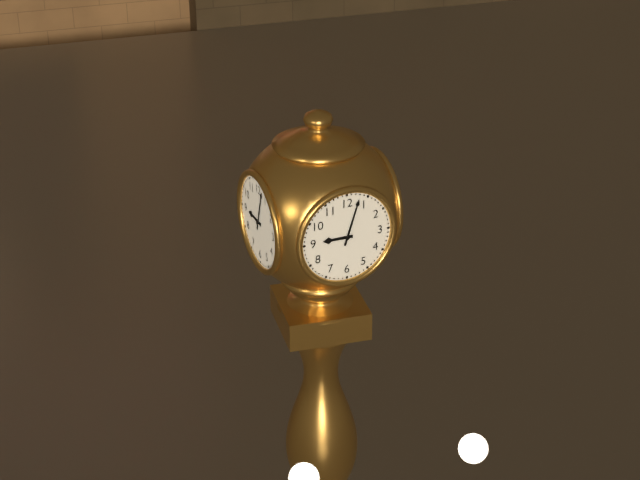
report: 9h03
